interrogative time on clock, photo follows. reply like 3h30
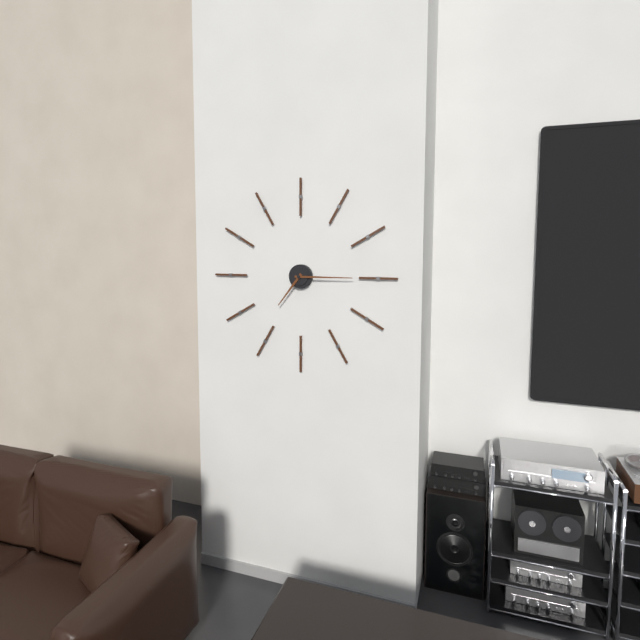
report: 7h15
